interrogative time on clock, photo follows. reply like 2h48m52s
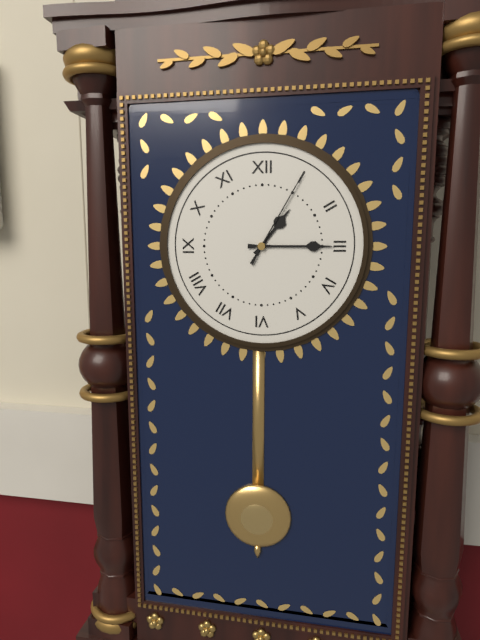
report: 1h15m05s
